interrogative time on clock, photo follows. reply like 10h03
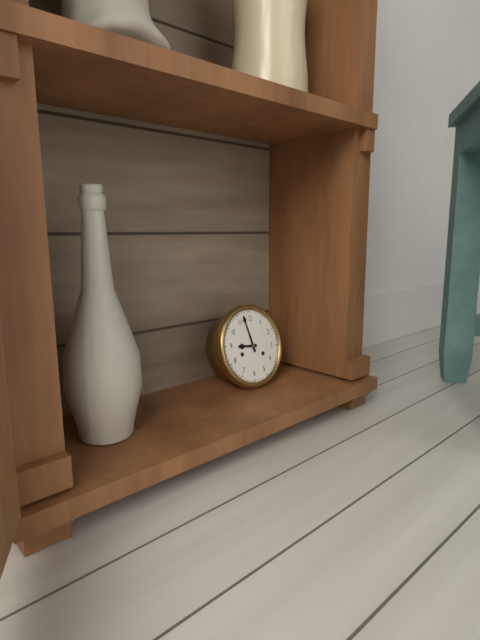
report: 8h57
